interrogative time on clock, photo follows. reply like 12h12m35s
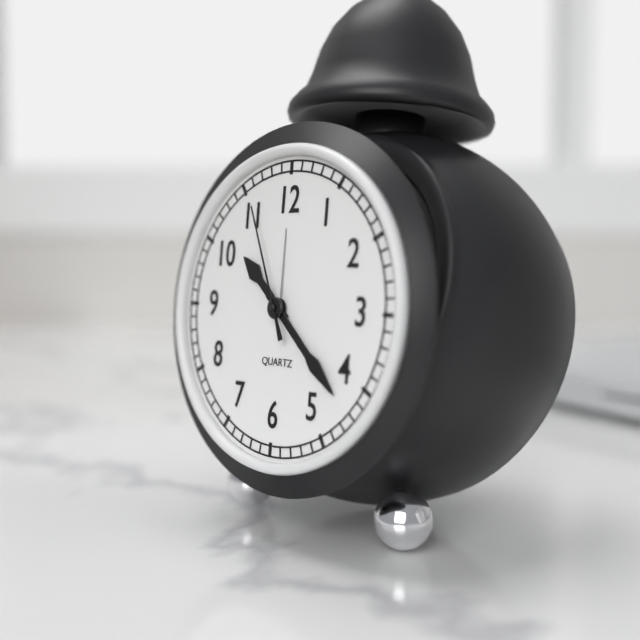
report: 10h22m56s
